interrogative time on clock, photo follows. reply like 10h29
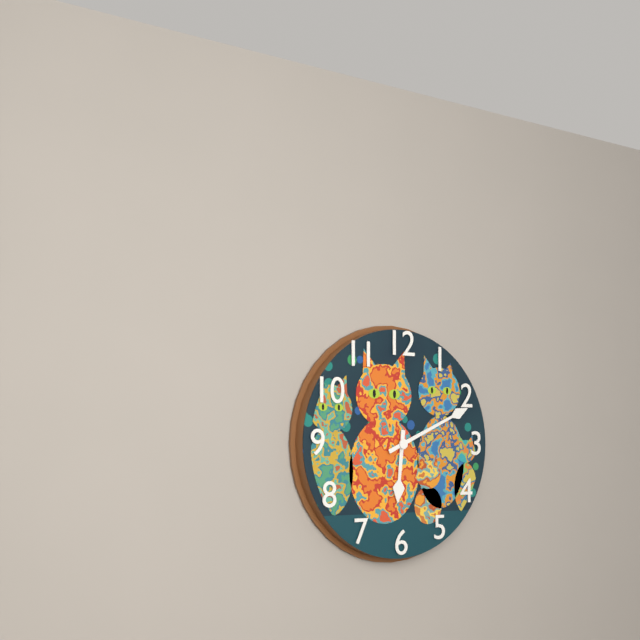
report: 6h11
